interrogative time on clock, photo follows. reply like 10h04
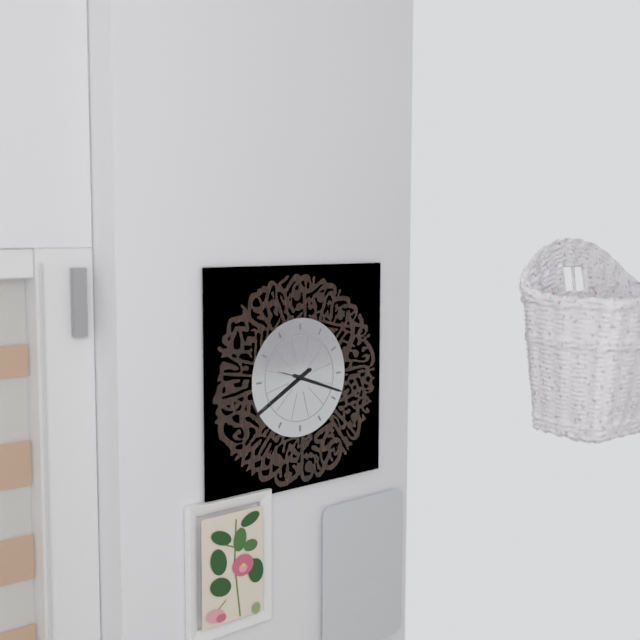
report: 3h40
